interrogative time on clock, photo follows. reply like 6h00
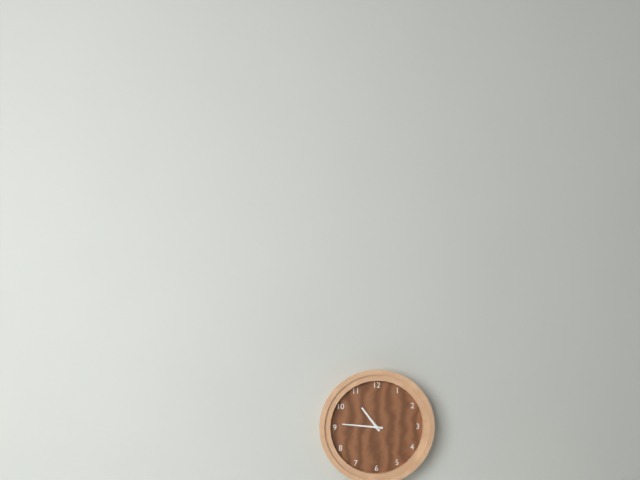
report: 10h46
